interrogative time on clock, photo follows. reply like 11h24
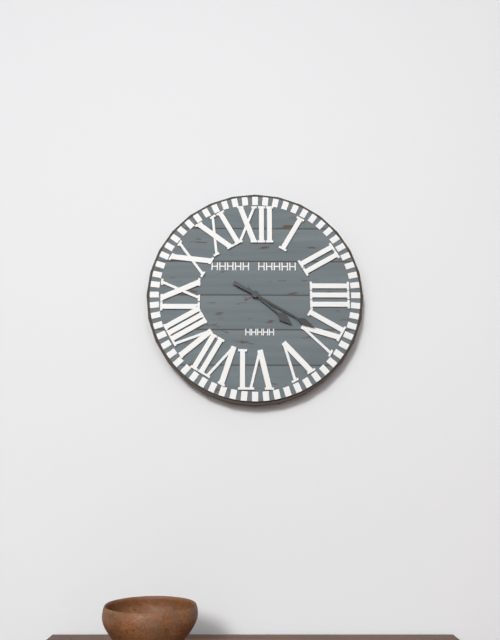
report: 4h20
